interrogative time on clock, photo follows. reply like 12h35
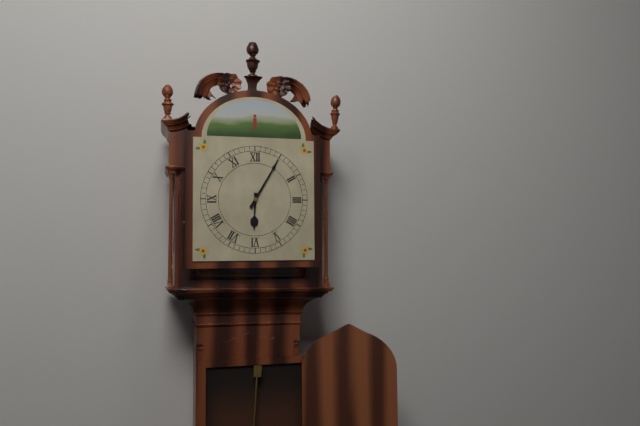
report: 6h05
